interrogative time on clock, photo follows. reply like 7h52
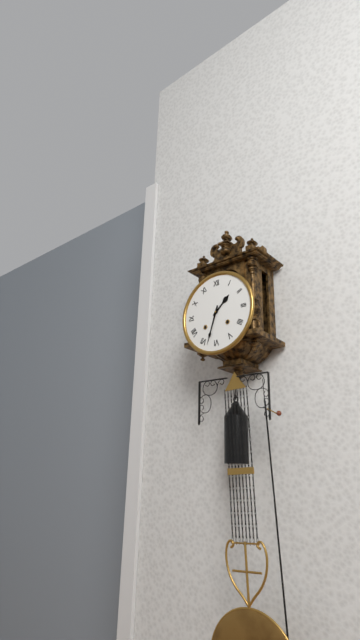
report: 1h33
